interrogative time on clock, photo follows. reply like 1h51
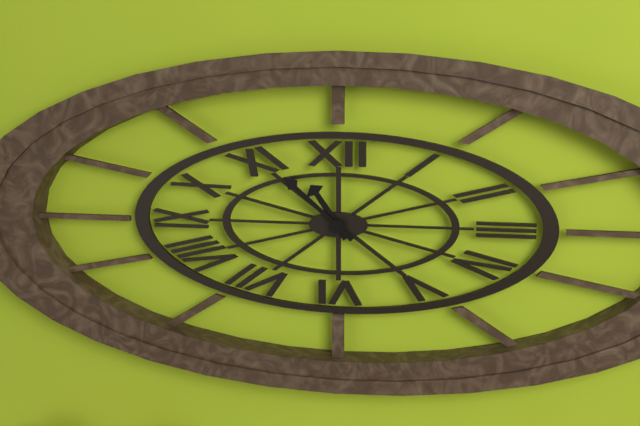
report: 10h52
